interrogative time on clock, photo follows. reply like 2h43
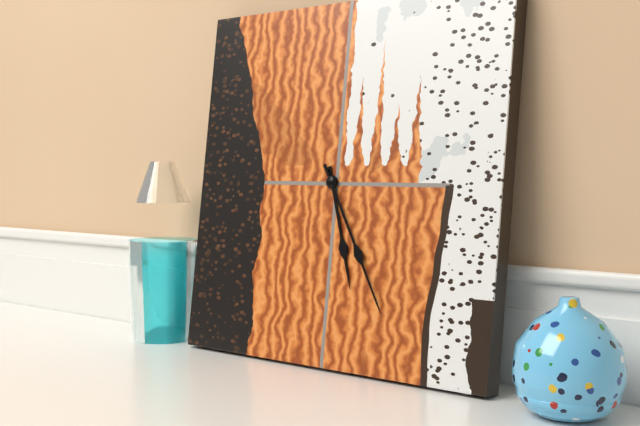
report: 5h25
